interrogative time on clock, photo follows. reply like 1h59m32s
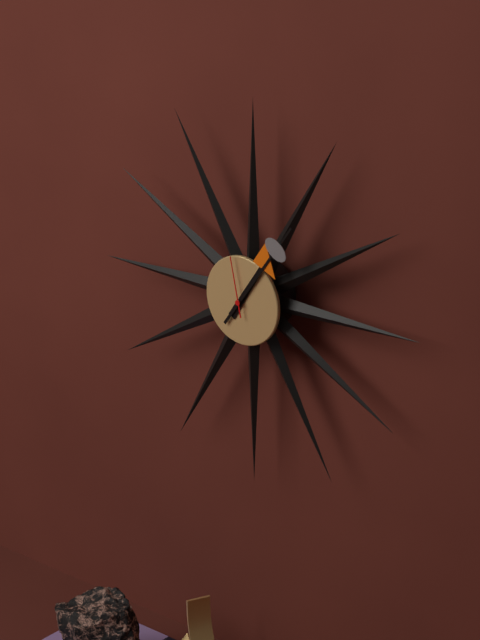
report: 1h06m58s
